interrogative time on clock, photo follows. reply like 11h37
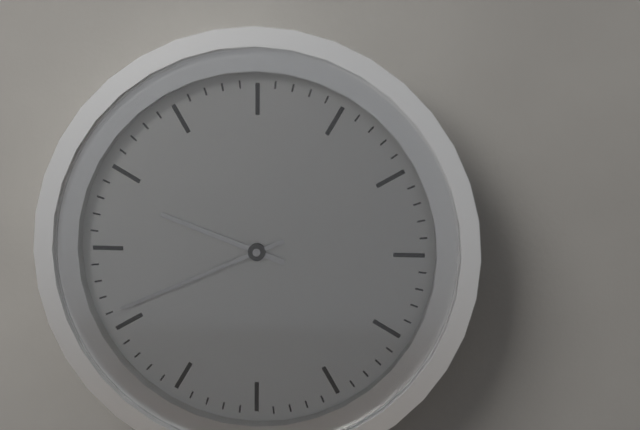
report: 9h41
